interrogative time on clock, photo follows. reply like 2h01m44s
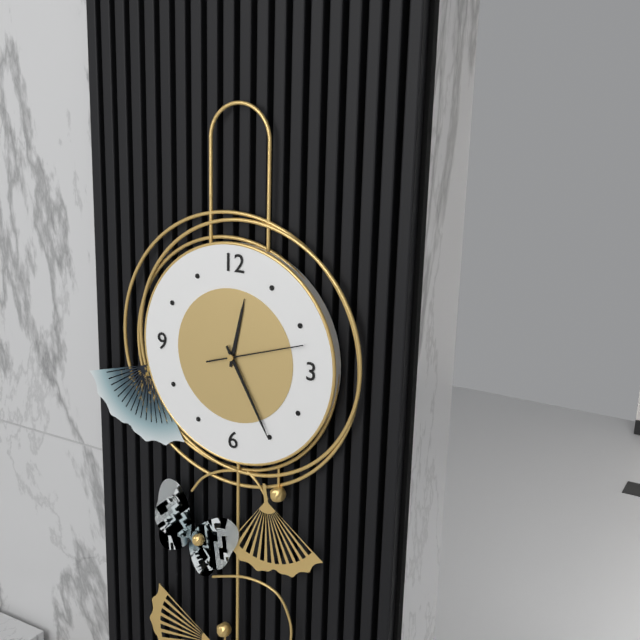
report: 12h25m12s
